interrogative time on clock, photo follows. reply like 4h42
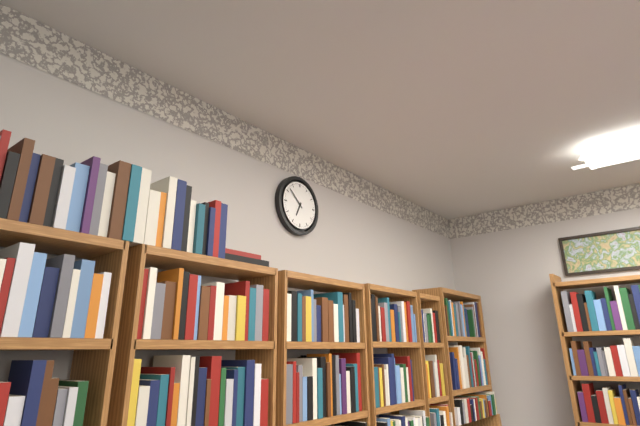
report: 6h52
